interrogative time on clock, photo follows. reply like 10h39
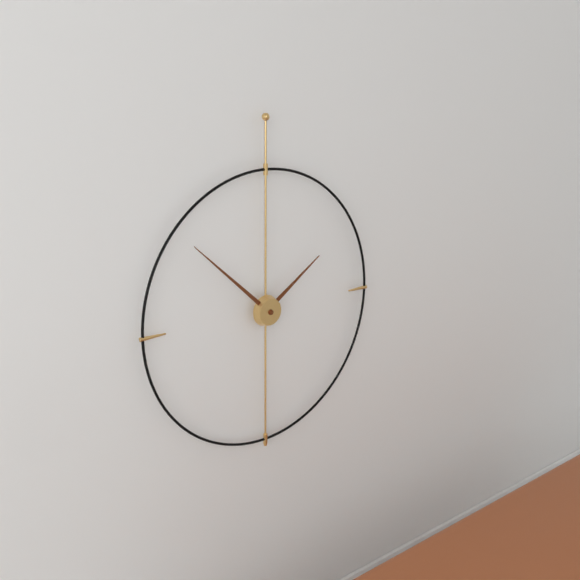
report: 1h52
